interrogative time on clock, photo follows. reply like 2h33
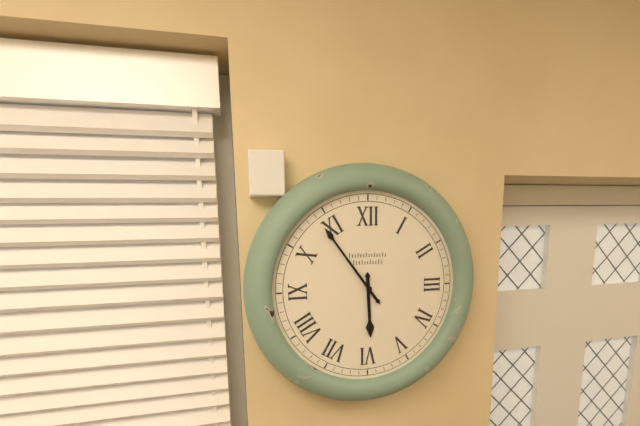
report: 5h54
